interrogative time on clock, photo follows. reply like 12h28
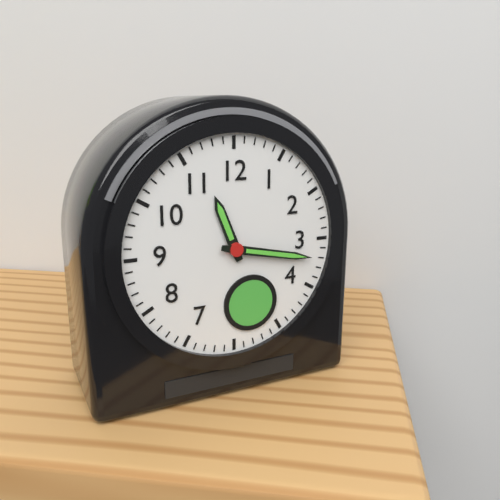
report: 11h17
